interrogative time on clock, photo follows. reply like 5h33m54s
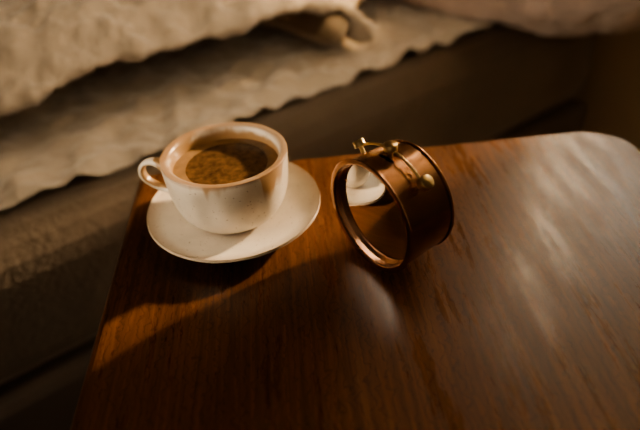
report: 1h03m49s
